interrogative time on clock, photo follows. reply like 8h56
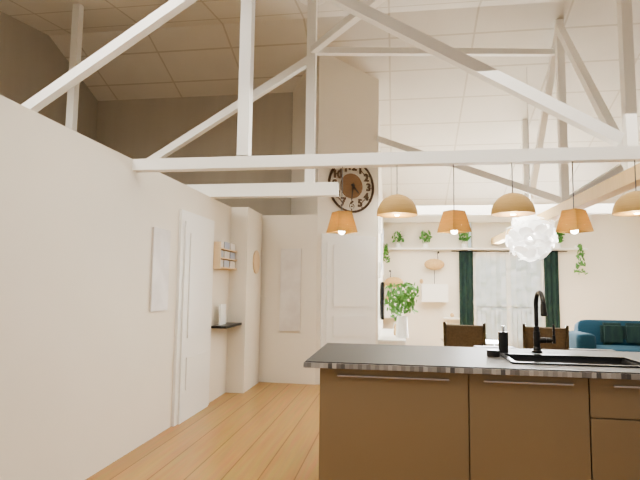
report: 4h31
